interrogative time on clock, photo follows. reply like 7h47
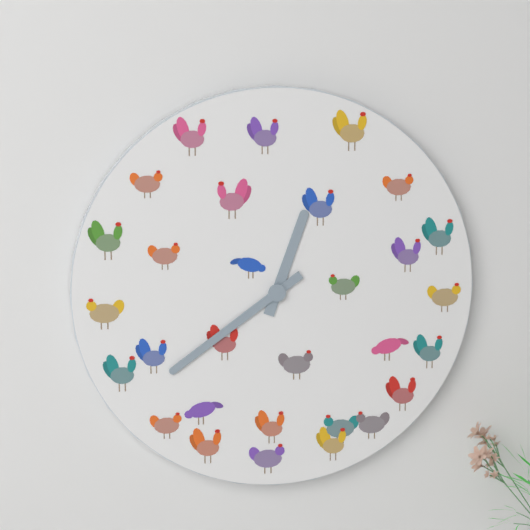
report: 12h39
